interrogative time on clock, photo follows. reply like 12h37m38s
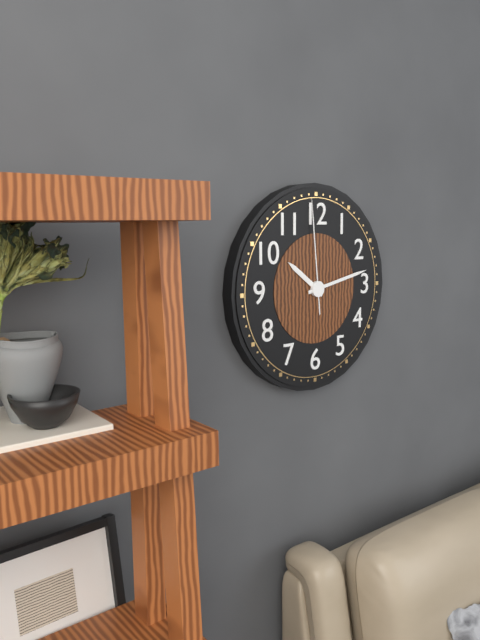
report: 10h13m59s
